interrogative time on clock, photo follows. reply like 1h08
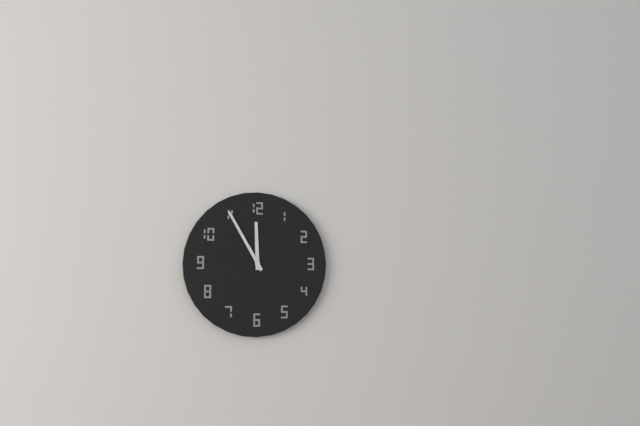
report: 11h55
